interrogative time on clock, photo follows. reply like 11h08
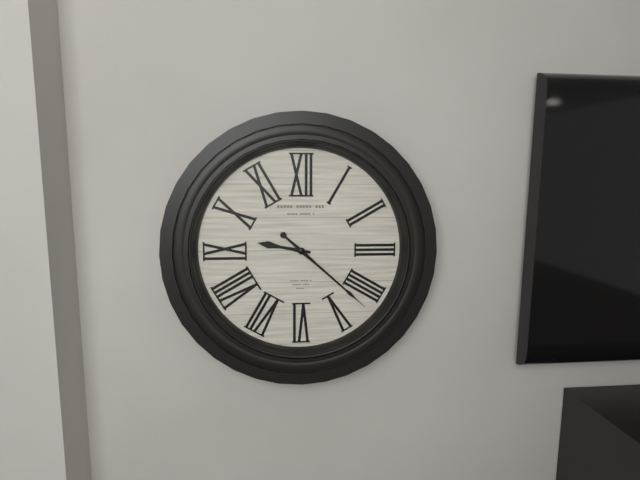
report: 9h22
